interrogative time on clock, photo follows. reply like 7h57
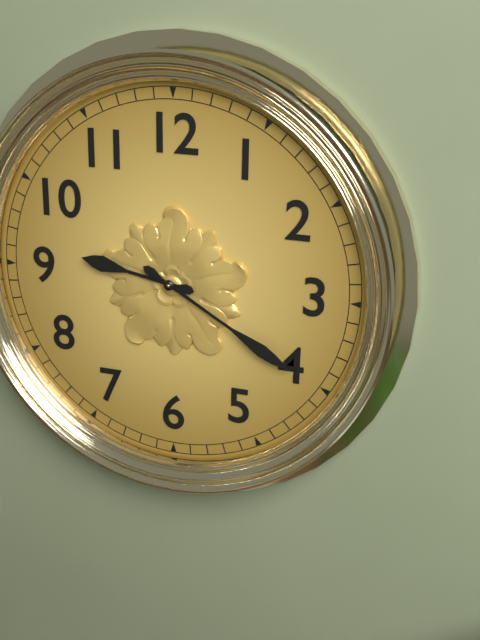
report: 9h20
